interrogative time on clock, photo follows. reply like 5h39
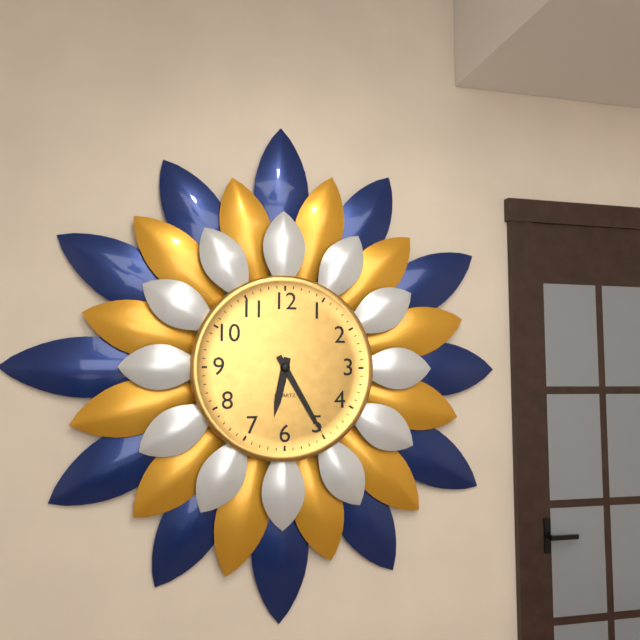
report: 6h25
